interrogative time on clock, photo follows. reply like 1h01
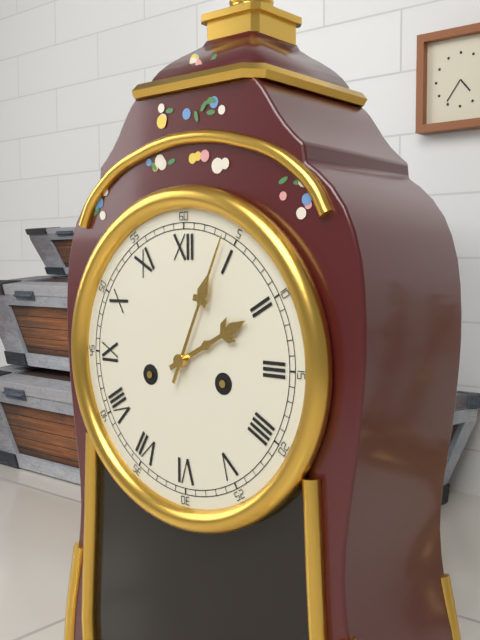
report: 2h04
